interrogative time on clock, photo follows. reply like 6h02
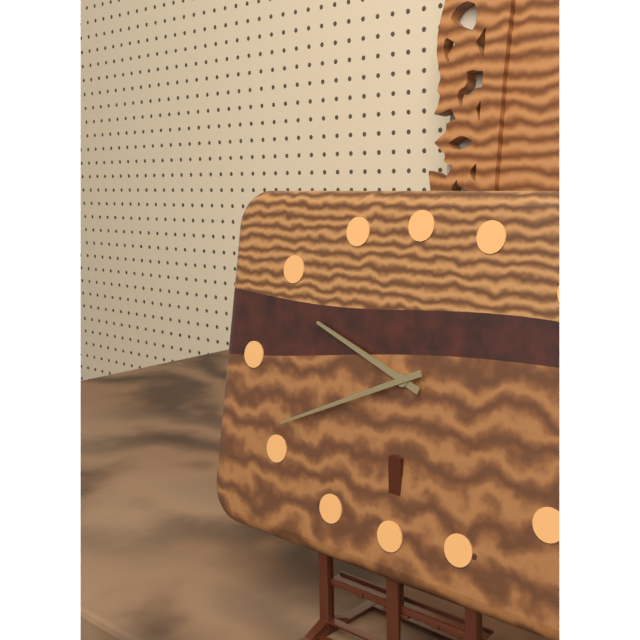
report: 9h41
